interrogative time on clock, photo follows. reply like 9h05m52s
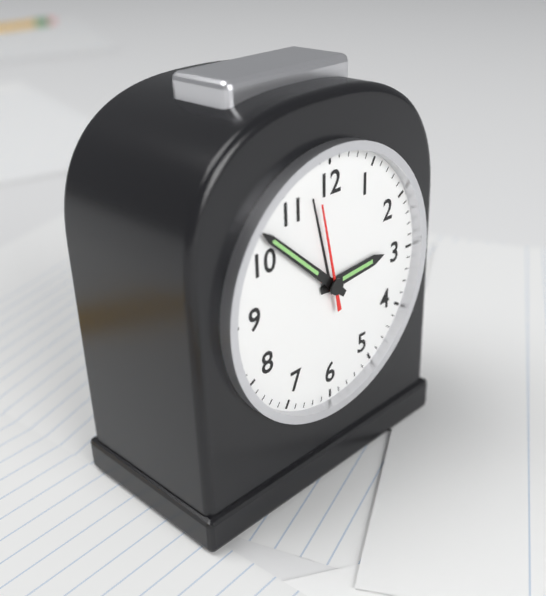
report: 2h52m58s
